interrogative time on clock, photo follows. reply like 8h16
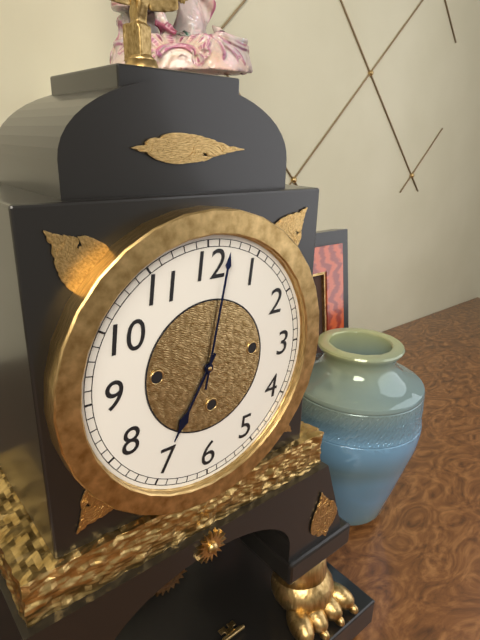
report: 7h02
